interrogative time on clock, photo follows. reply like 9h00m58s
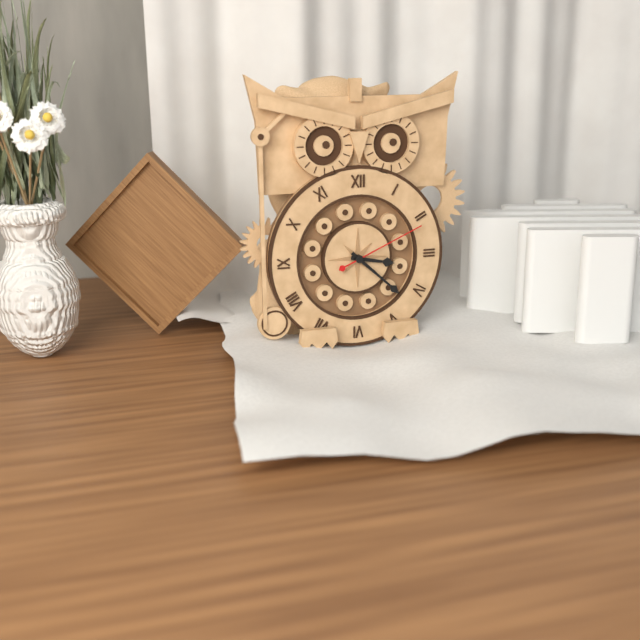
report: 3h22m11s
